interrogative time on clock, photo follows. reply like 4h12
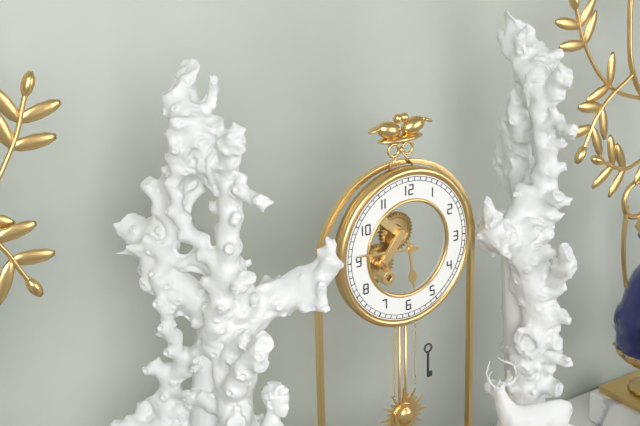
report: 5h46
